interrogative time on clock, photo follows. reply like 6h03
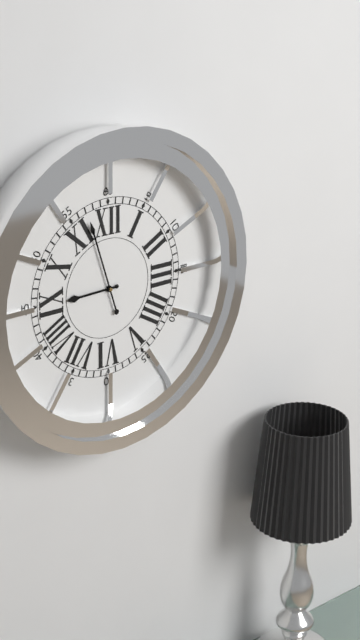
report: 8h57
